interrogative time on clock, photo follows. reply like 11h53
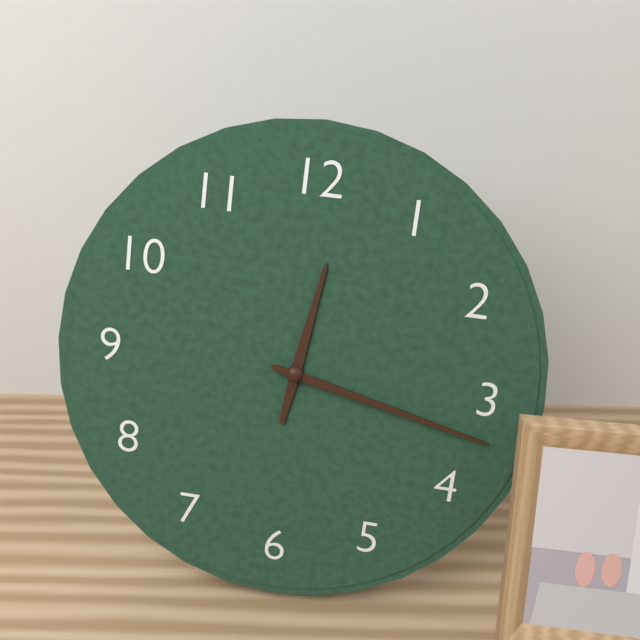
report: 12h17
